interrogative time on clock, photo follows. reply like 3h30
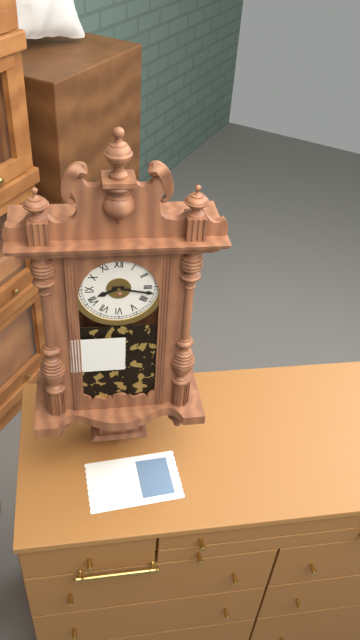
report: 8h17
